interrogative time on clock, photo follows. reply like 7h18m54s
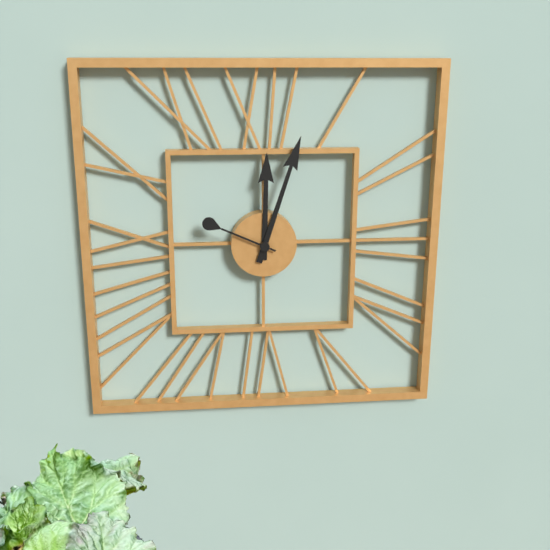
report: 12h03m49s
